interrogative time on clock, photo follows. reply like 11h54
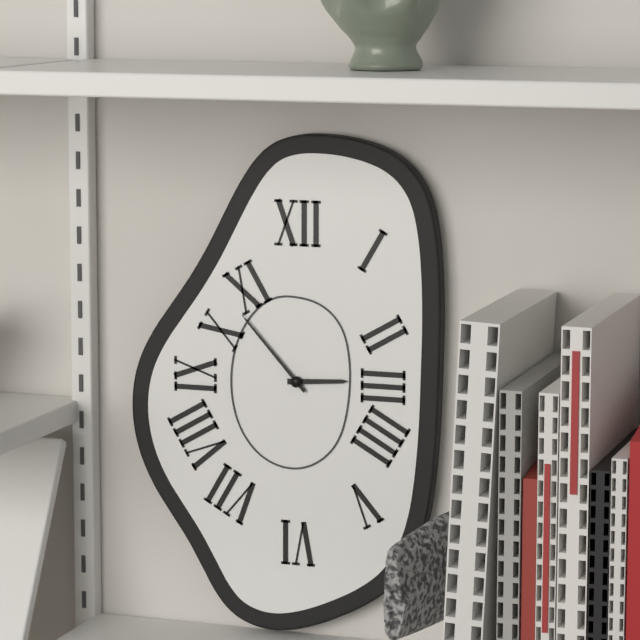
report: 2h53
